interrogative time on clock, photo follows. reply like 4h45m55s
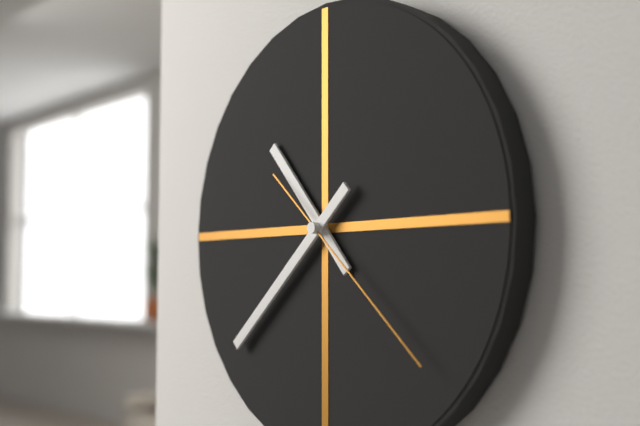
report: 10h38m22s
